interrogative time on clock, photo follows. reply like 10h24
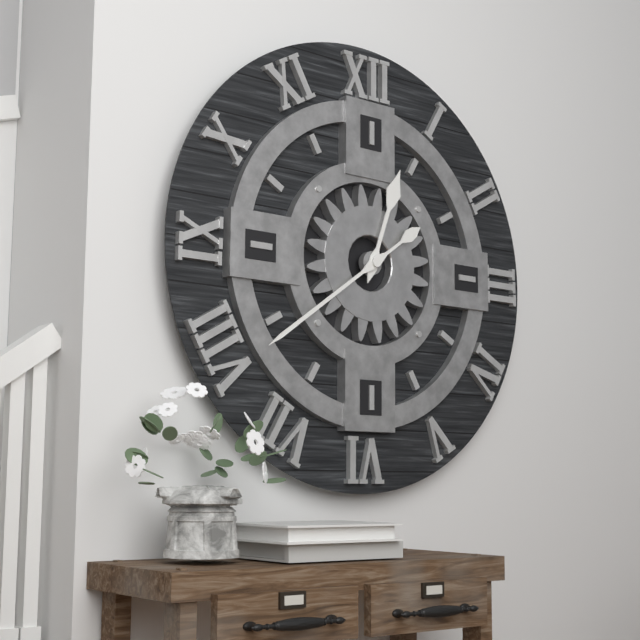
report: 12h39
